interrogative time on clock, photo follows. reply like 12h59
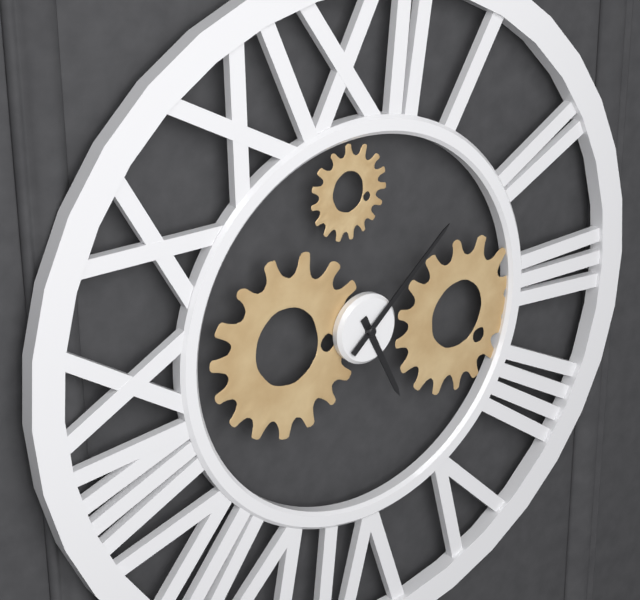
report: 5h08
